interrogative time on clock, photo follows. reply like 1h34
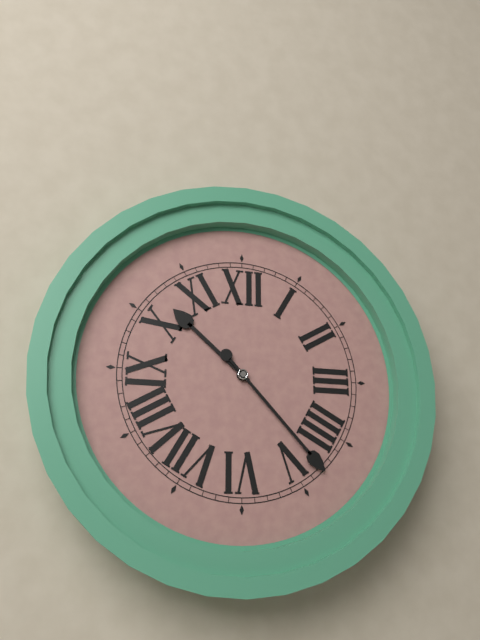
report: 10h23
